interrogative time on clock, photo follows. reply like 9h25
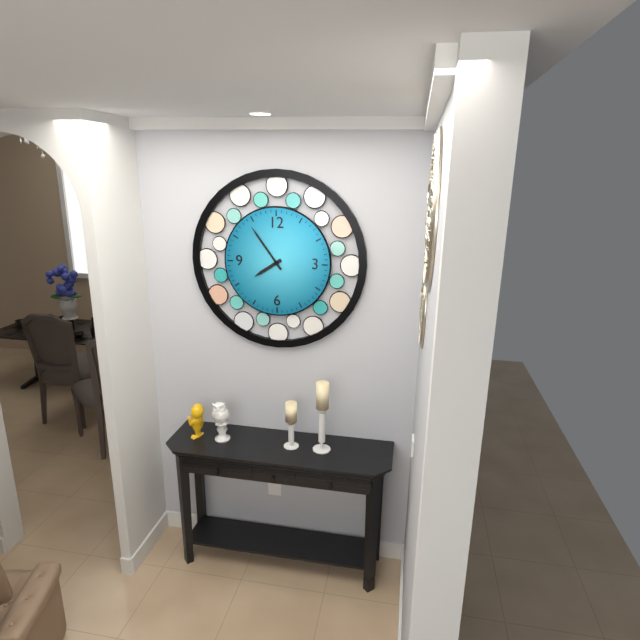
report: 7h54
